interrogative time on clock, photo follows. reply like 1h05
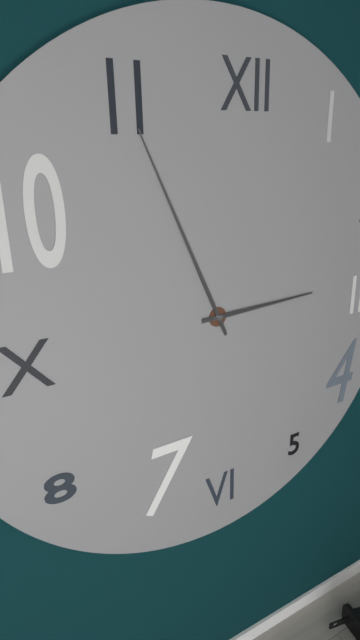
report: 2h56
